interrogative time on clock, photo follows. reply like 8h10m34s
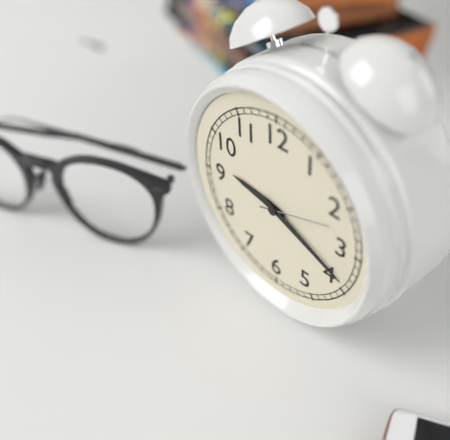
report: 9h19m12s
